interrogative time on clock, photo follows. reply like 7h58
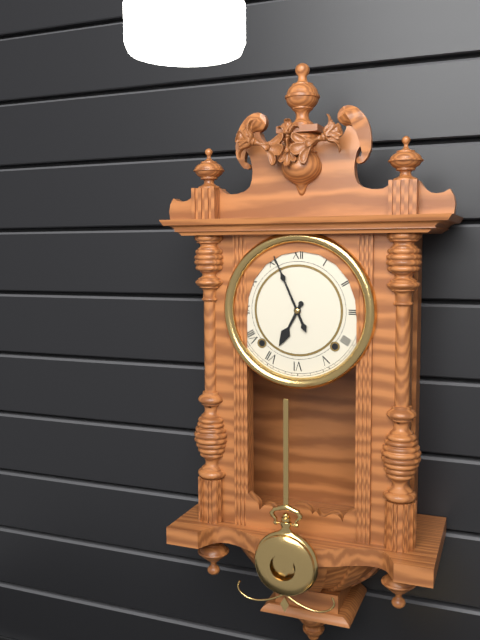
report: 6h56
